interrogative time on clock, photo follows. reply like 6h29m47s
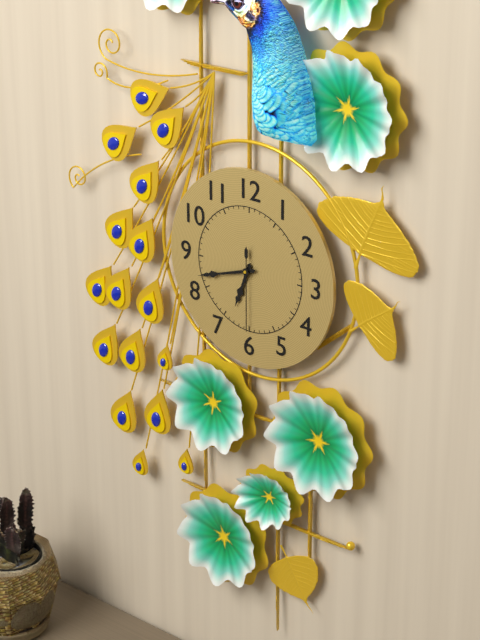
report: 6h42m30s
